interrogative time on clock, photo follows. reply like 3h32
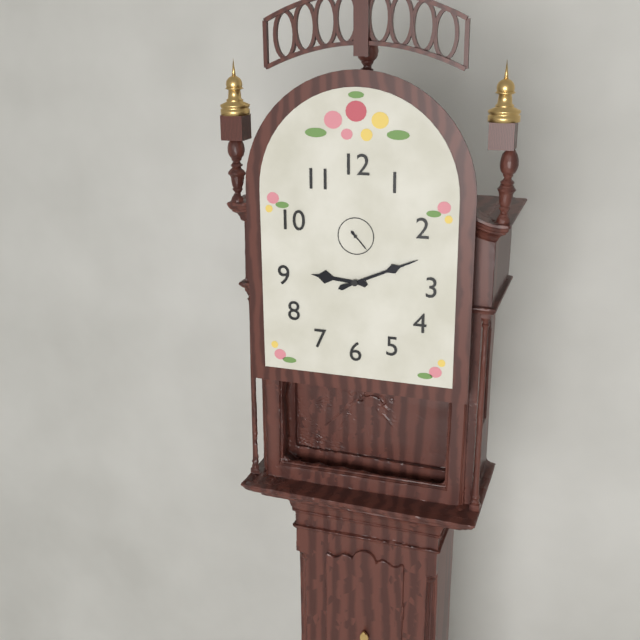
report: 9h11
